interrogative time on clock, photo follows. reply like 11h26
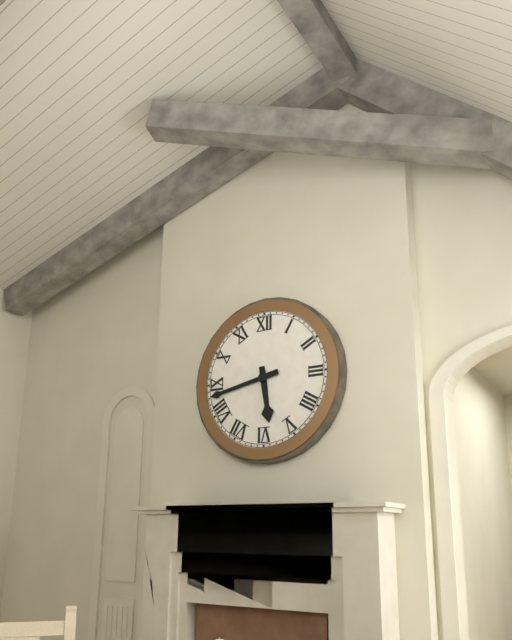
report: 5h43
